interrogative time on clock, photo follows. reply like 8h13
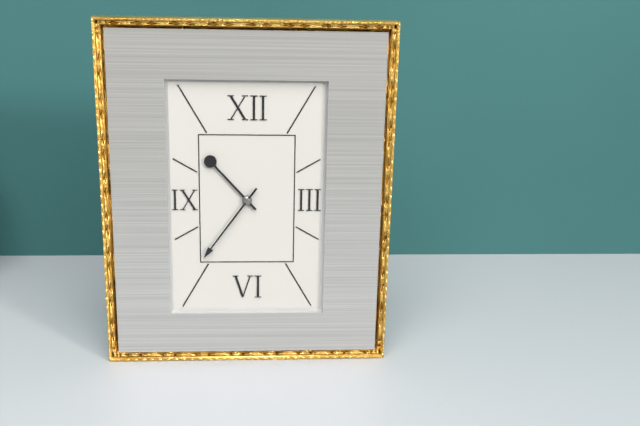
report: 10h36
